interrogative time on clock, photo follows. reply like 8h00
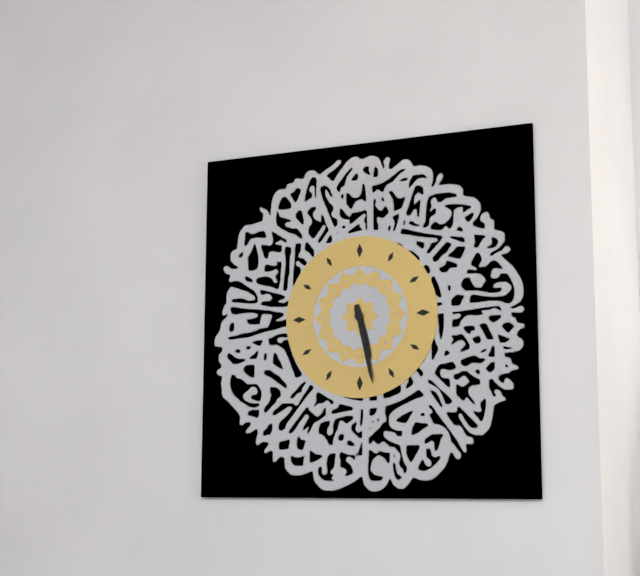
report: 5h28
